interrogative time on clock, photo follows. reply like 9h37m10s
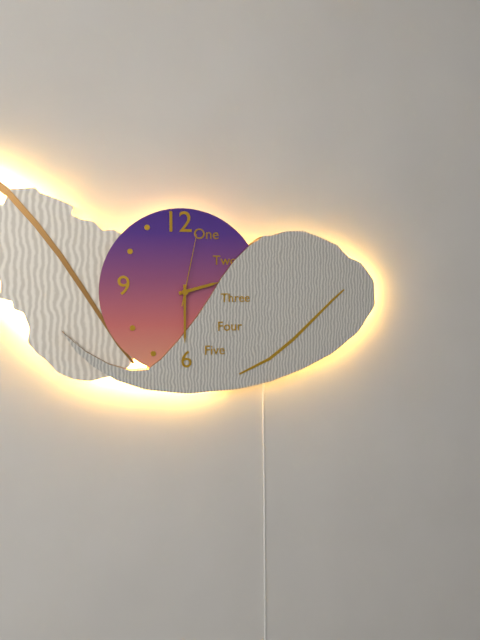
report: 2h30m02s
